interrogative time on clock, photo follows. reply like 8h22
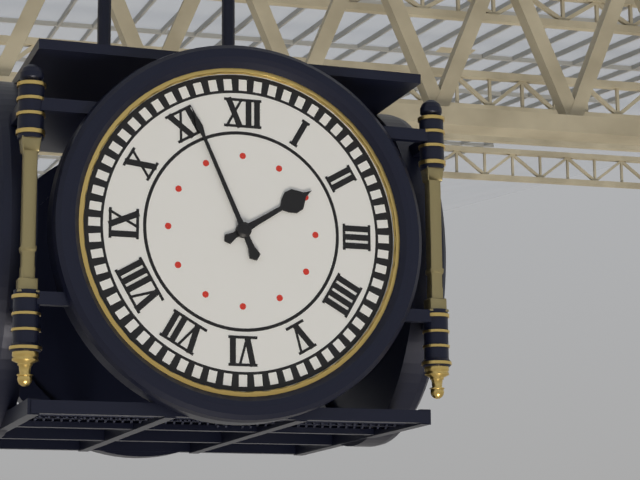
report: 1h56
